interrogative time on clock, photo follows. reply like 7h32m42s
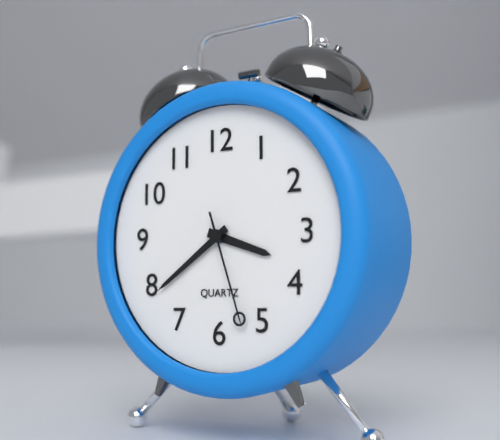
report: 3h39m27s
